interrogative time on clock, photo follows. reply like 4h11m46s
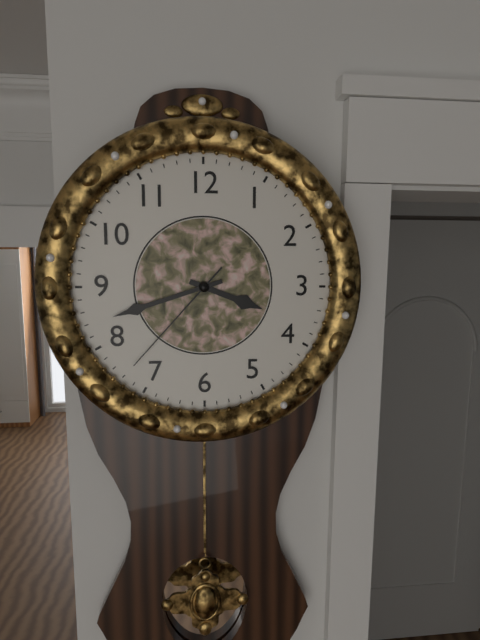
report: 3h42m37s
